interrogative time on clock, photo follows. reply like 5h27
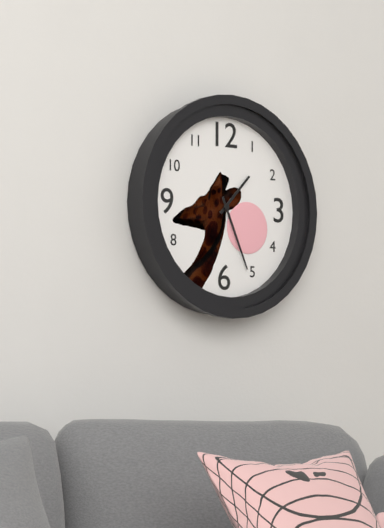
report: 1h26
